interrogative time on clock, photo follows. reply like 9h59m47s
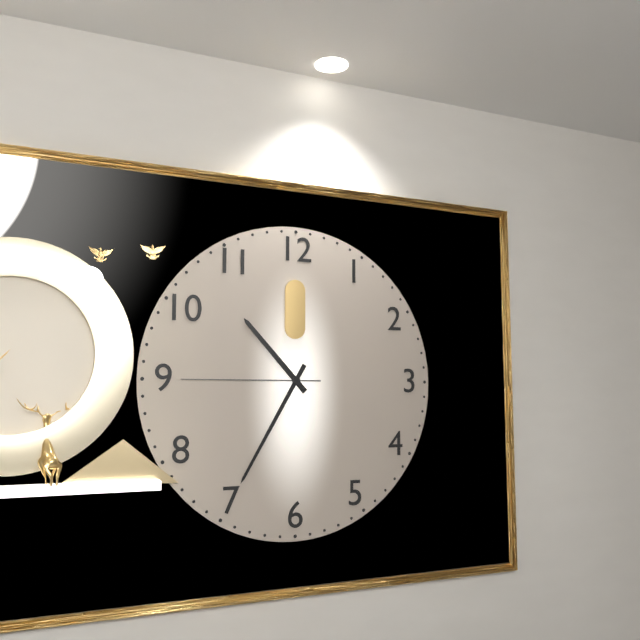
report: 10h35m45s
